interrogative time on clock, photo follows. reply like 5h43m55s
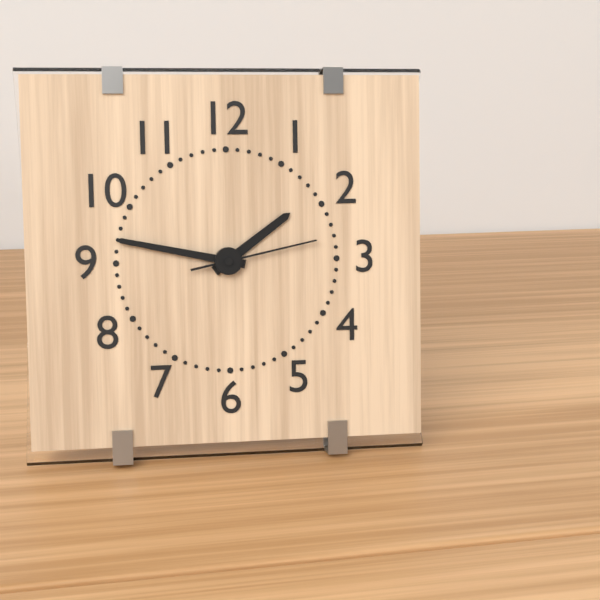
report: 1h47m13s
